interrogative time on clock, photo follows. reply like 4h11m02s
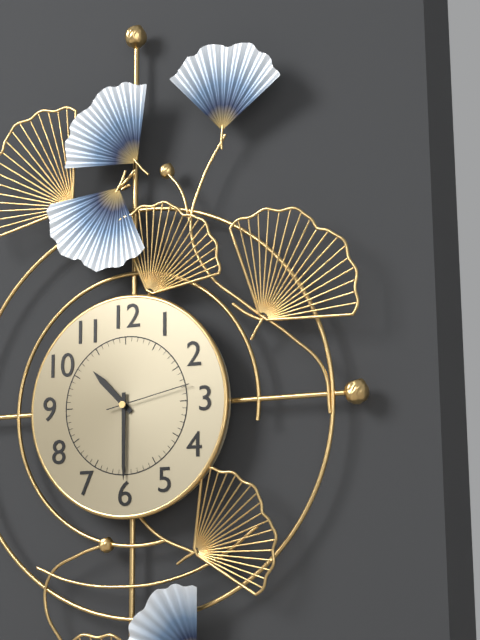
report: 10h30m13s
